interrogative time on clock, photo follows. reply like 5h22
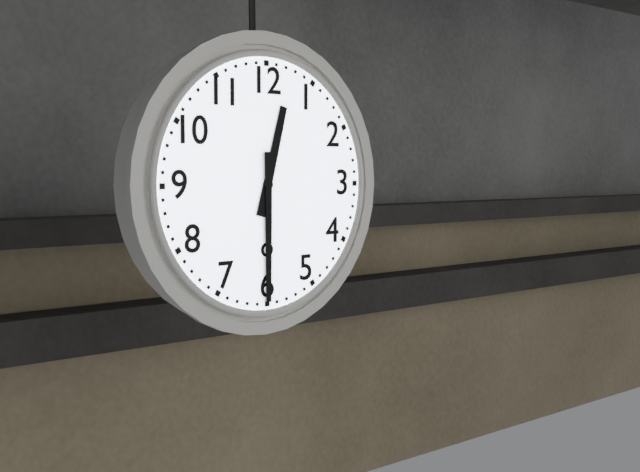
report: 12h30
